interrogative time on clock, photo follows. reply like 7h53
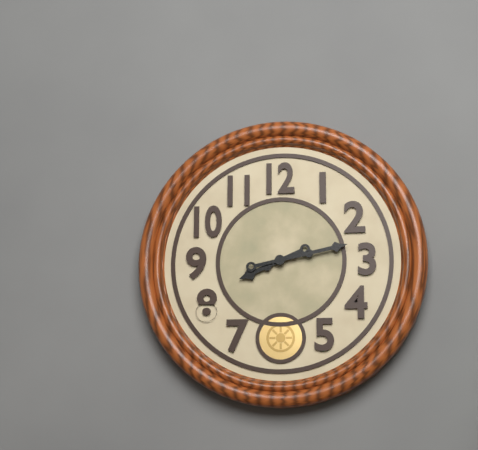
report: 8h13
